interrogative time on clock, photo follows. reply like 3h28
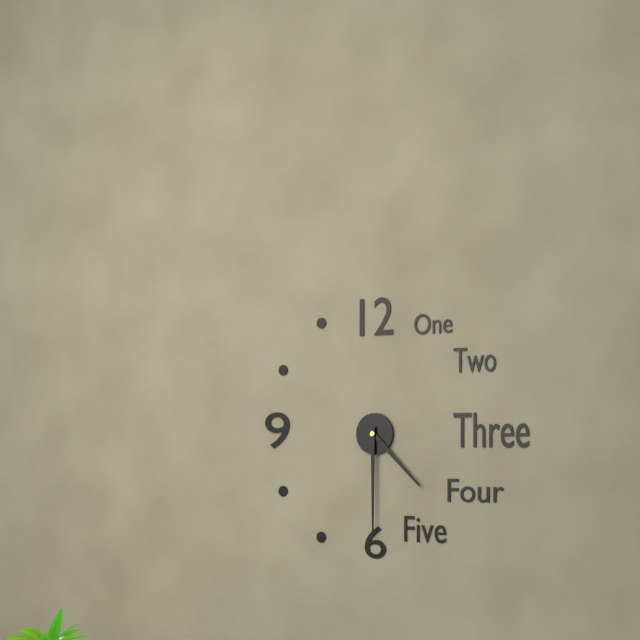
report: 4h30
